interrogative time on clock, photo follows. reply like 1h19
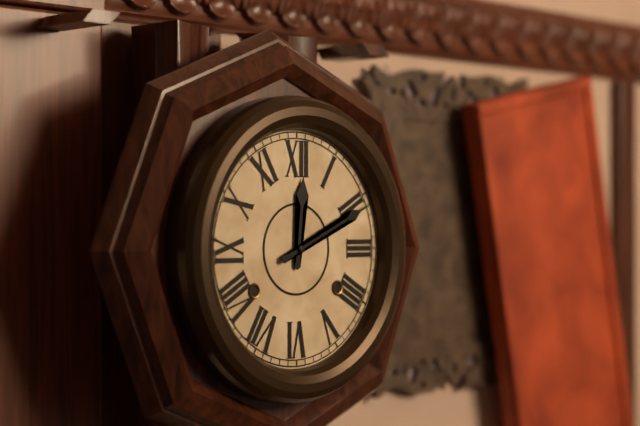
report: 12h11
